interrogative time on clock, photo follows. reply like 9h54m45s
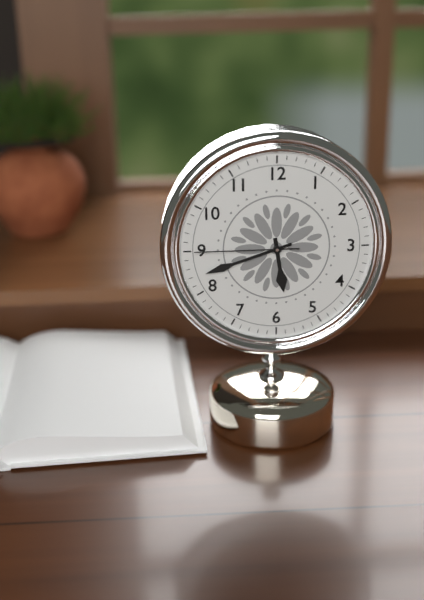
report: 5h42m45s
